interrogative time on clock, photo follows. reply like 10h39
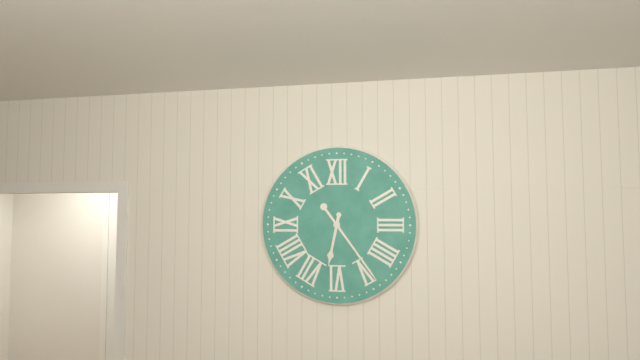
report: 6h24
